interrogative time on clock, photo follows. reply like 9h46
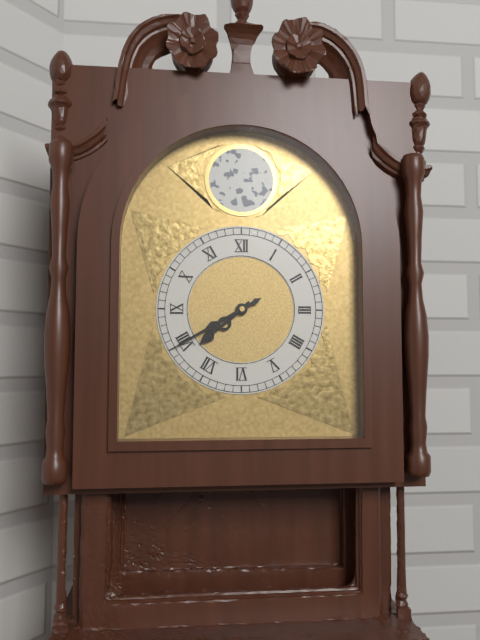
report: 7h40
